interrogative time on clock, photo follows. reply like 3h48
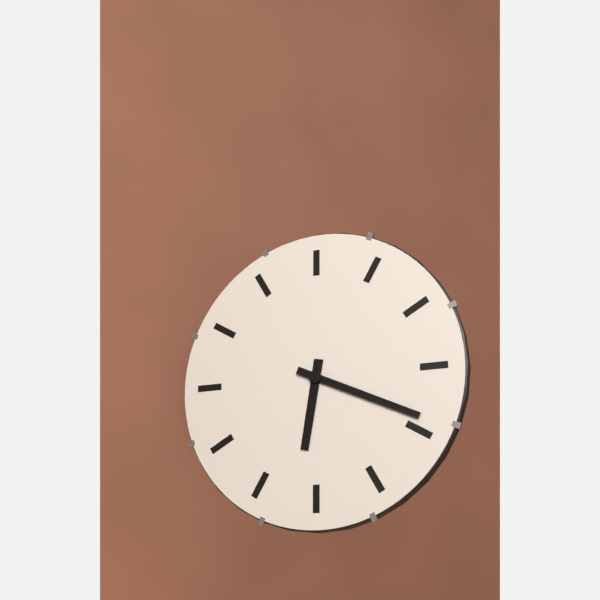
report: 6h19
